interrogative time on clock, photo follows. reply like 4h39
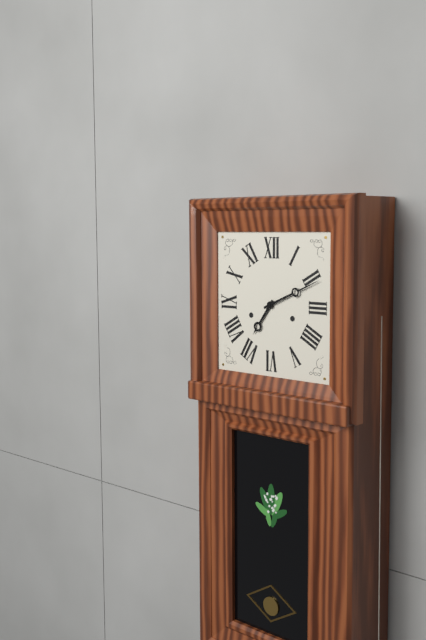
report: 7h11
